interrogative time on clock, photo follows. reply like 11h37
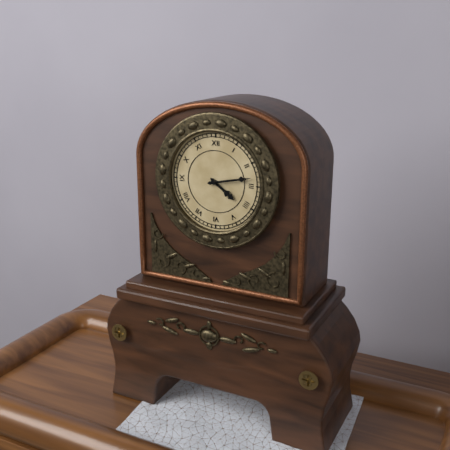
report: 4h13
